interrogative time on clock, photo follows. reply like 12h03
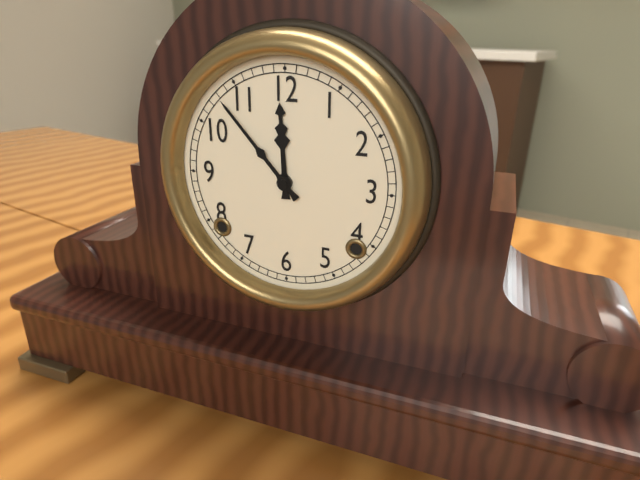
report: 11h53
